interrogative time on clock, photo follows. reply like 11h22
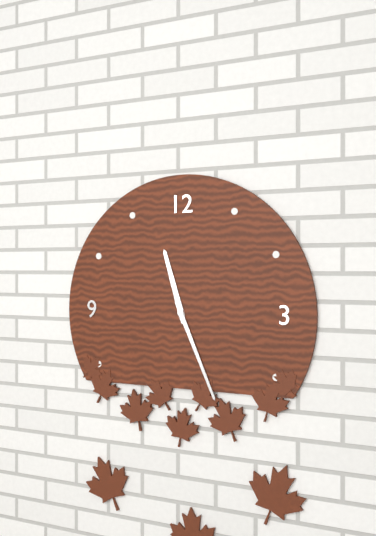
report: 11h26
